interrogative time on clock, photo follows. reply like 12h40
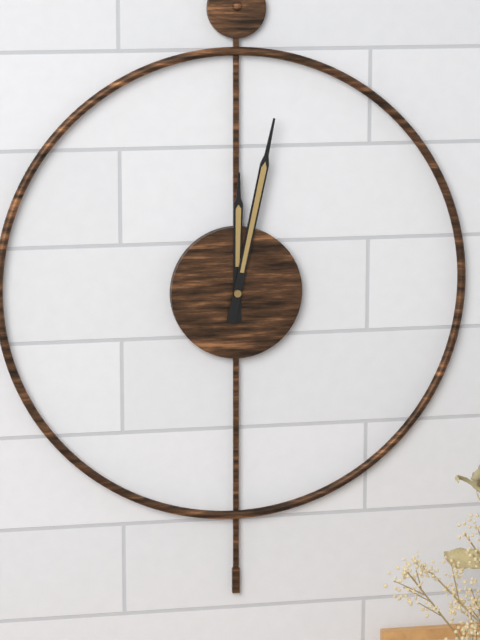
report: 12h02
